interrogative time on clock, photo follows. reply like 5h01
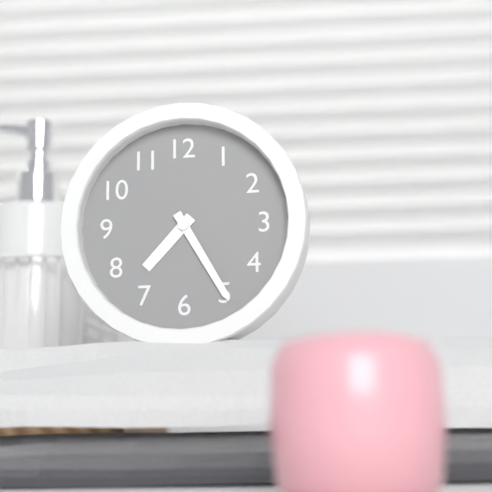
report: 7h25
